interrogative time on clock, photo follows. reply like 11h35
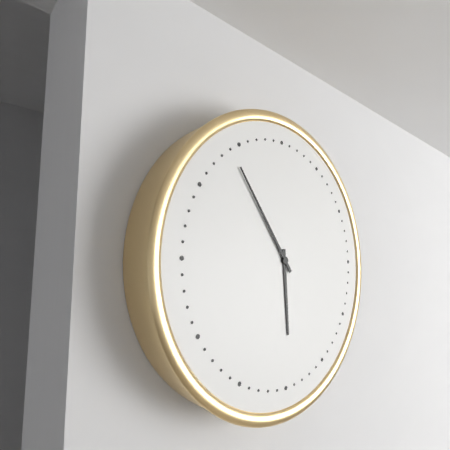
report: 5h54
